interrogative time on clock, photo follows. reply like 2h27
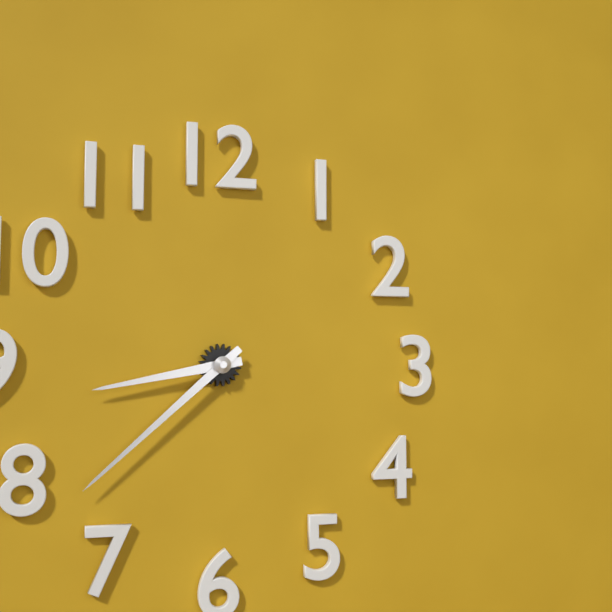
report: 8h38
